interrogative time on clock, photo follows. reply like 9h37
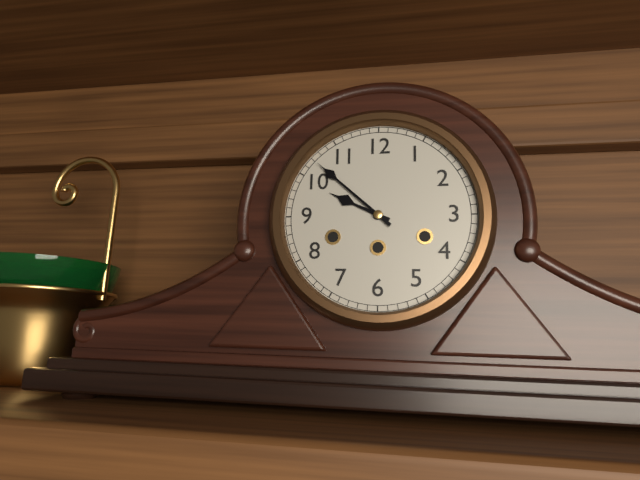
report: 9h52
